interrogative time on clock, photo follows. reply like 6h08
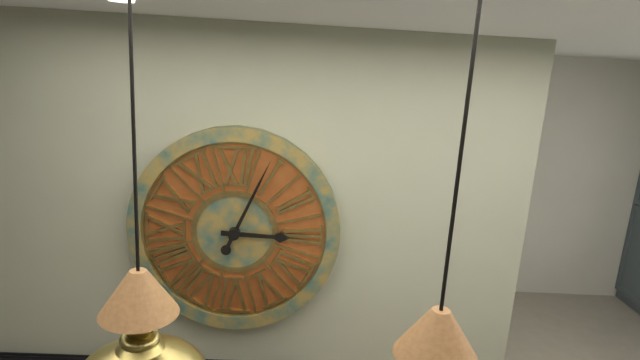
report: 3h04
